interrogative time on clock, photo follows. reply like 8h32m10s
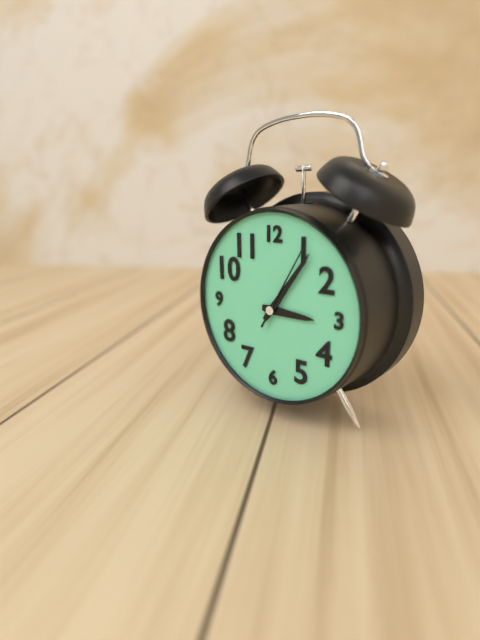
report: 3h06m05s
